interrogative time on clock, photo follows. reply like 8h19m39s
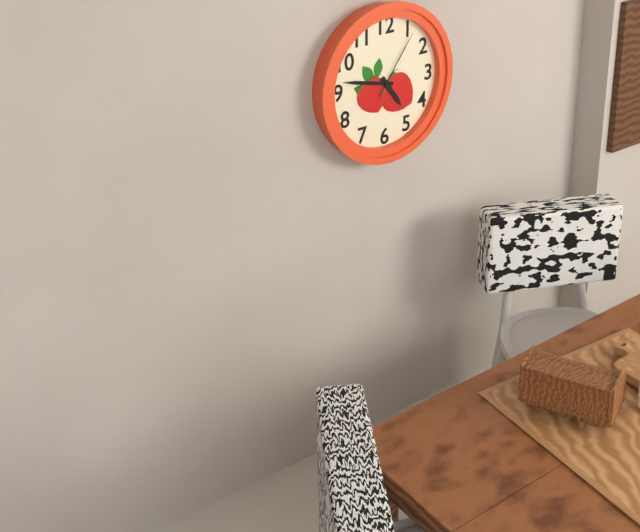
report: 4h47m06s
